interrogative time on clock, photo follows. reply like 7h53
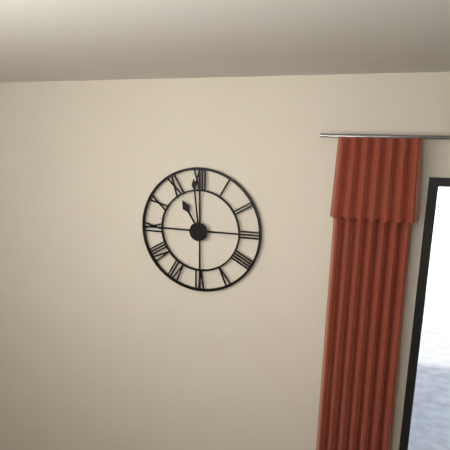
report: 10h59
